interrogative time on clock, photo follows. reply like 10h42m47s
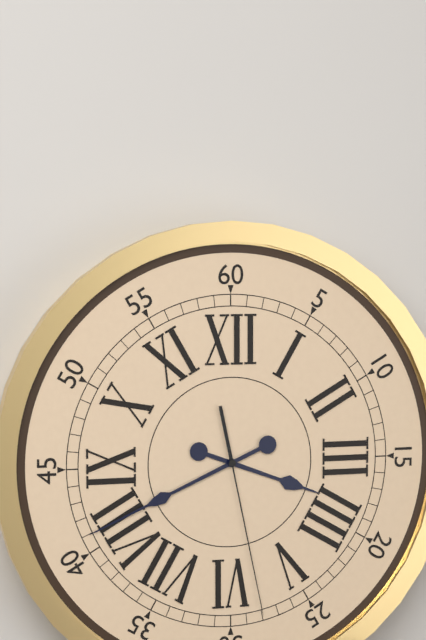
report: 3h41m28s
